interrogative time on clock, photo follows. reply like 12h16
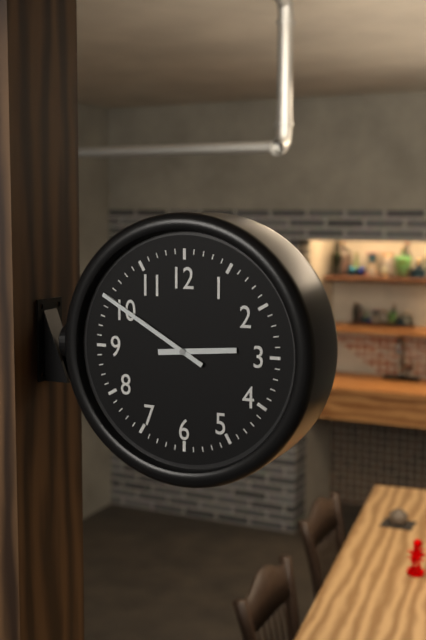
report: 2h50
